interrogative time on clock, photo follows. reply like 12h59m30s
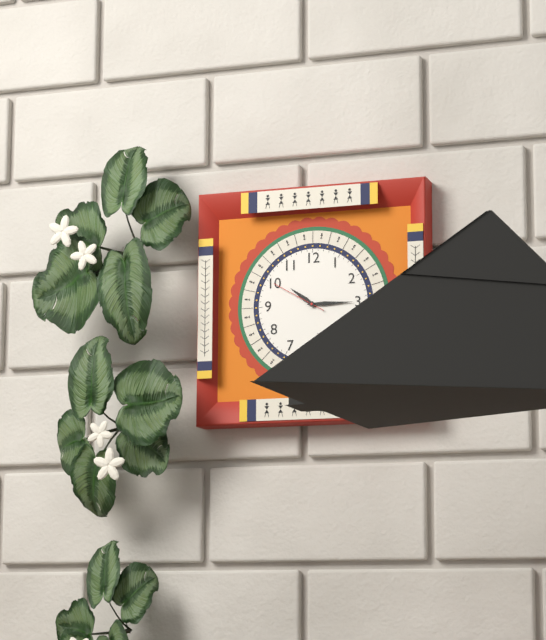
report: 10h15m50s
